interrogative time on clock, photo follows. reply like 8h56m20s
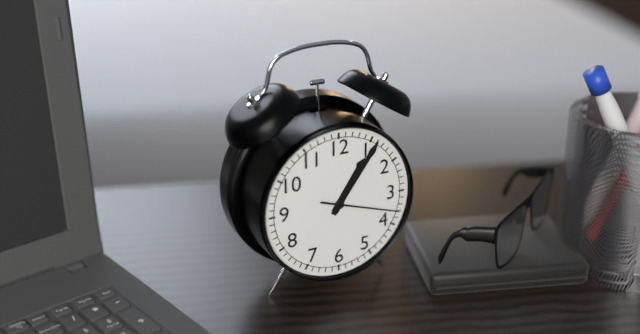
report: 1h06m18s
